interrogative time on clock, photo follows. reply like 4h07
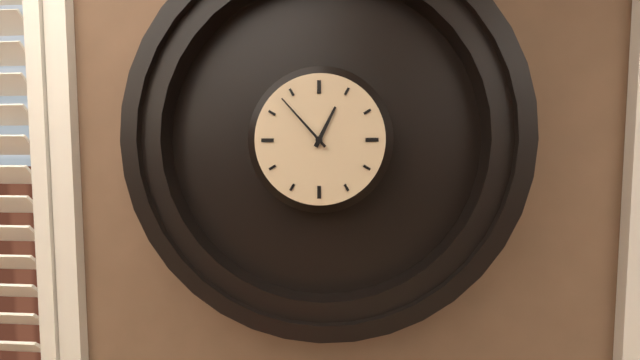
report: 12h53
